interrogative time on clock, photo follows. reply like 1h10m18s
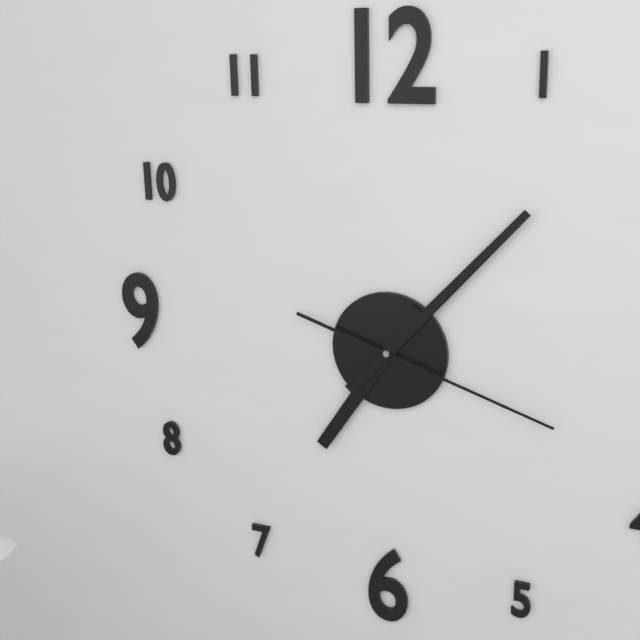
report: 7h07m18s
